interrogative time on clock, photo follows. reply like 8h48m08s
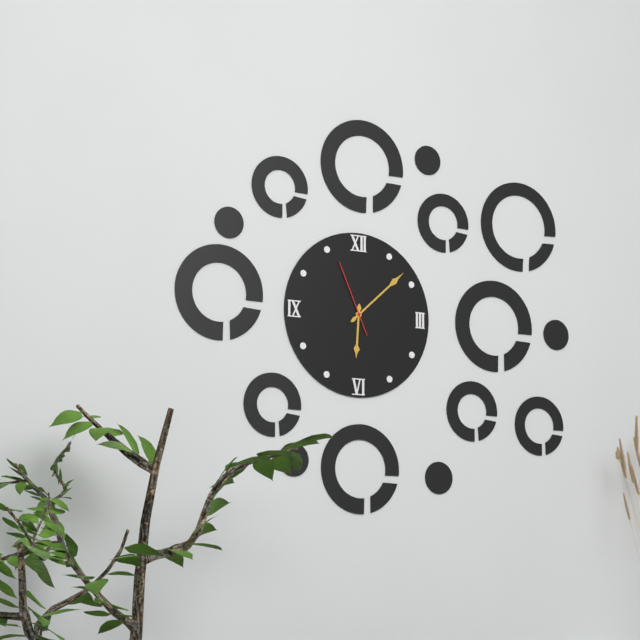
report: 6h08m56s
